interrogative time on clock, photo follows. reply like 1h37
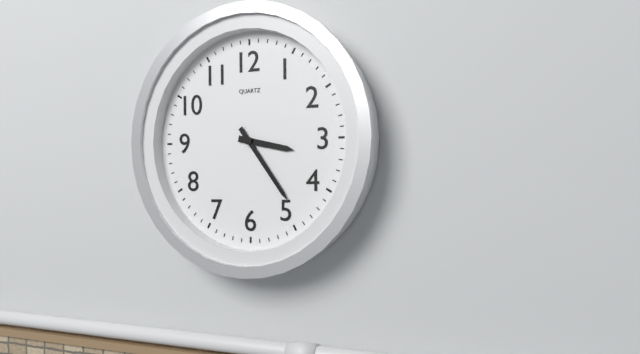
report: 3h24
